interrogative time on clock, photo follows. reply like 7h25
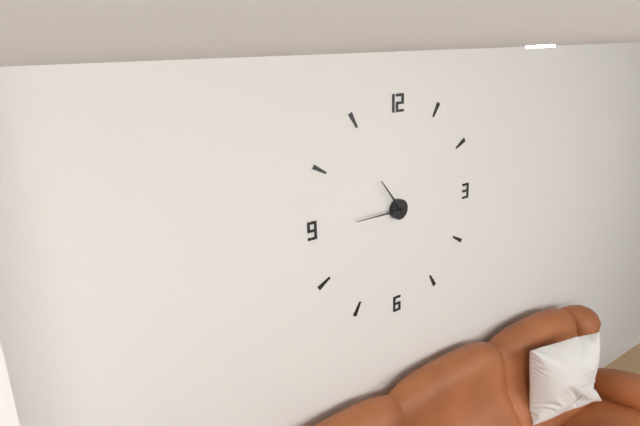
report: 10h45
